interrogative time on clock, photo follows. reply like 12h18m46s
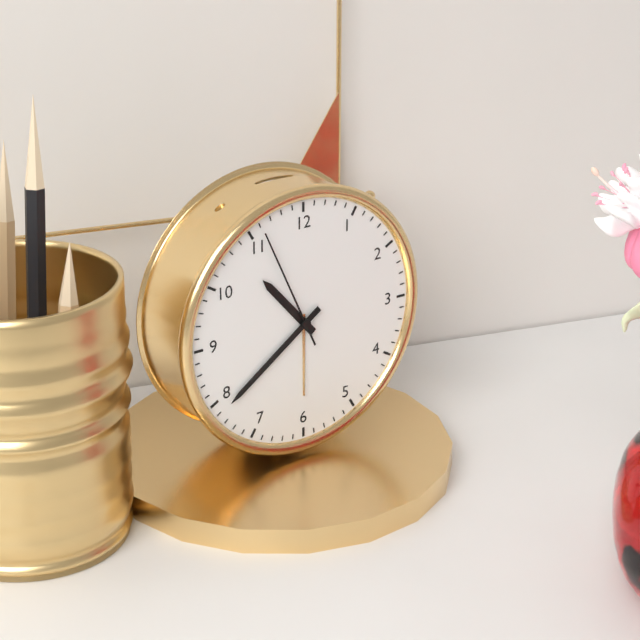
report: 10h39m56s
